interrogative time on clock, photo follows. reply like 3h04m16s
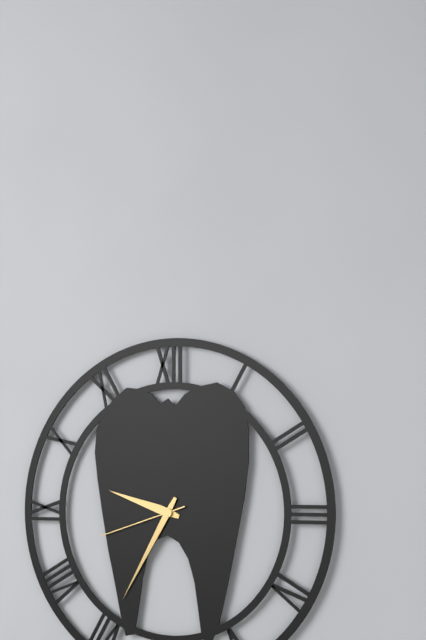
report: 9h35m42s
